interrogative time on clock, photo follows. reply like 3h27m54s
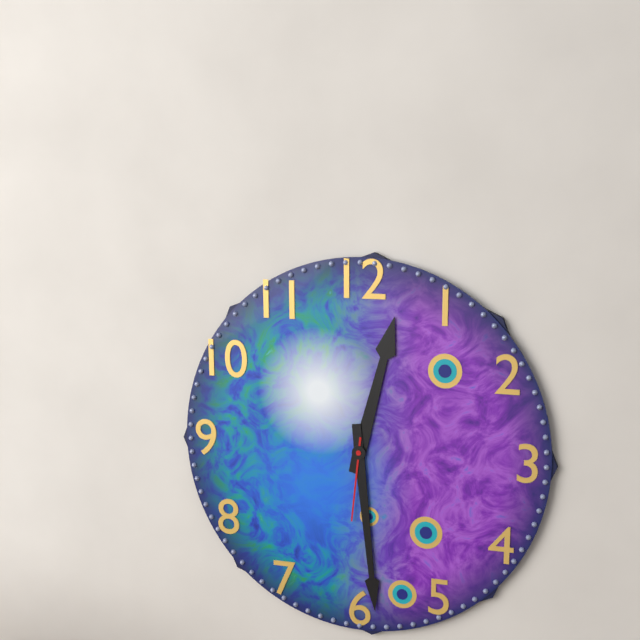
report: 12h29m31s
